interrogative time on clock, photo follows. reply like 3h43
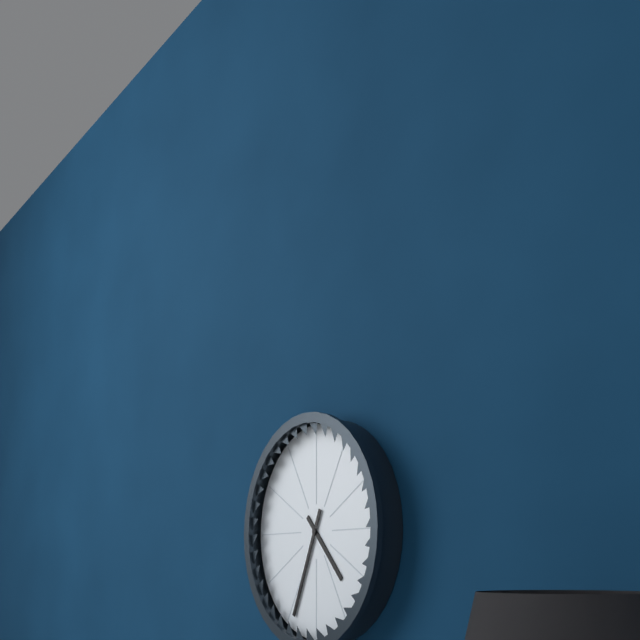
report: 4h34
